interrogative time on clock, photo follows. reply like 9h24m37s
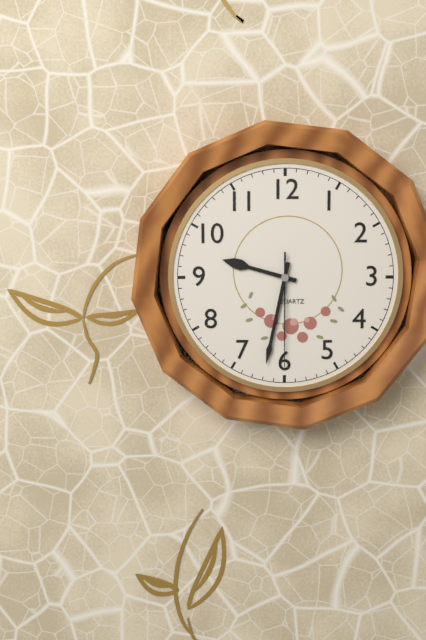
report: 9h32m30s
